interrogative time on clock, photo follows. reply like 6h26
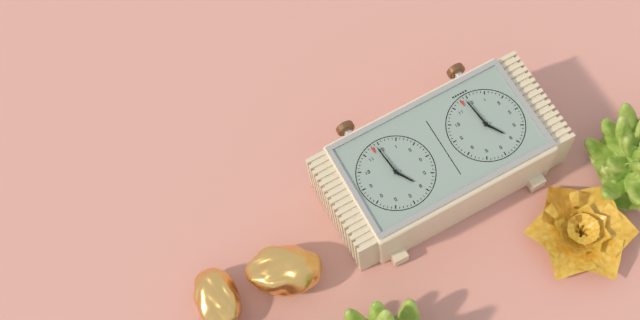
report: 4h59
